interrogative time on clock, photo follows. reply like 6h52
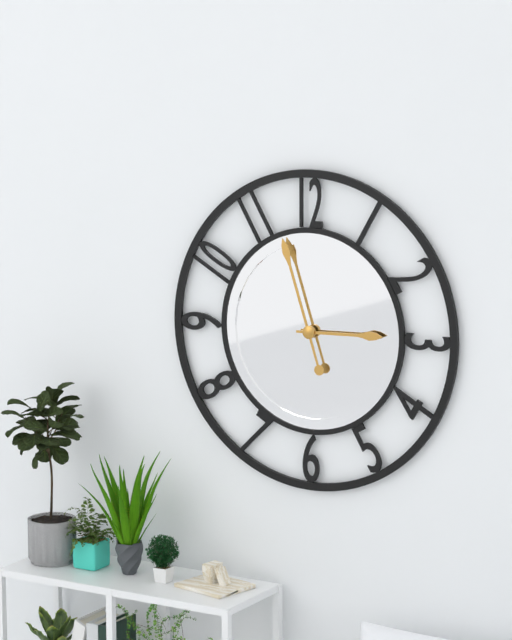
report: 2h57
